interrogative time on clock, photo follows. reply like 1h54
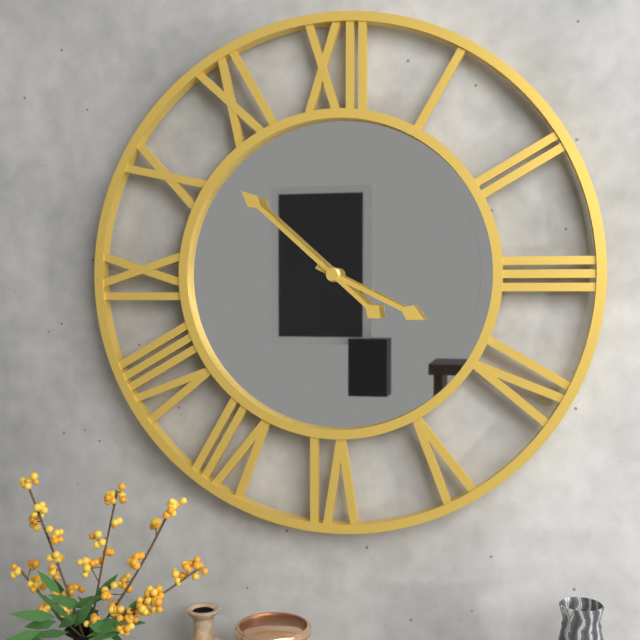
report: 3h52
